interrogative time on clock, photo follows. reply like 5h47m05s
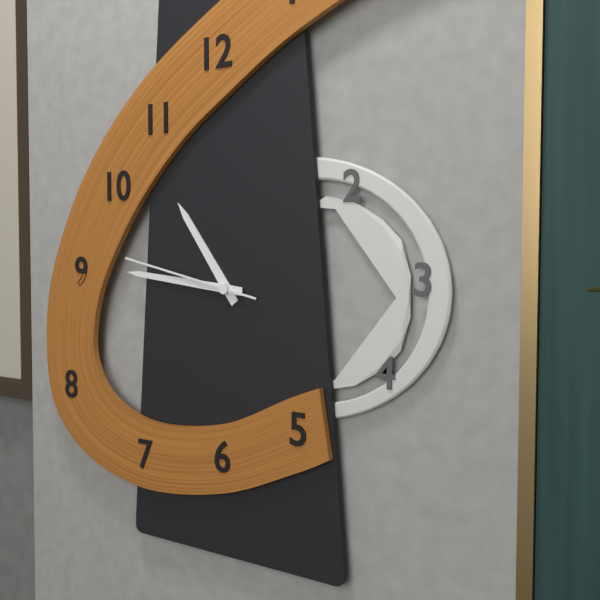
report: 10h46m47s
